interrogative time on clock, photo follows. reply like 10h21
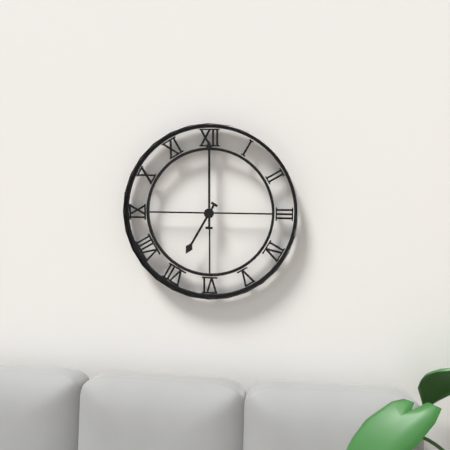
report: 7h00
